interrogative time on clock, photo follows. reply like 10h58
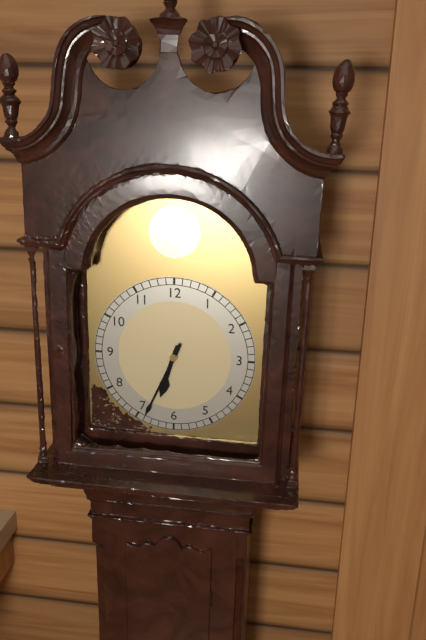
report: 6h34
